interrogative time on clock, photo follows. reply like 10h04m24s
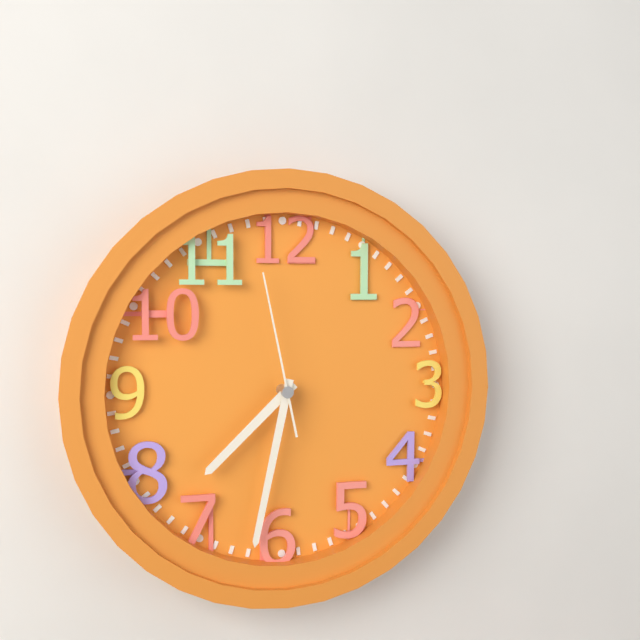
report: 7h32m58s
